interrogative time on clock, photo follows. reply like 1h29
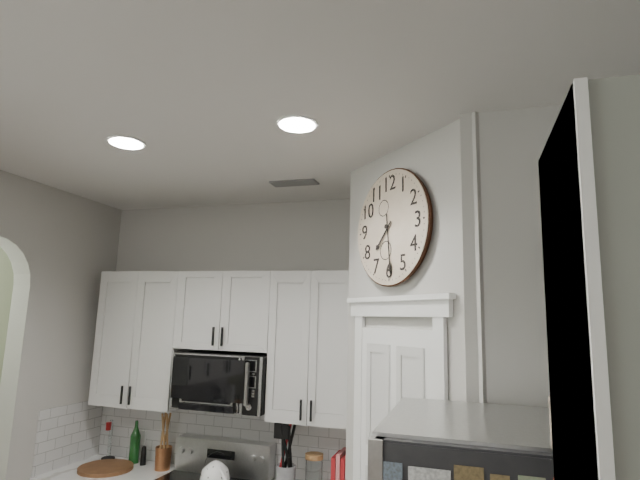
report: 7h29
